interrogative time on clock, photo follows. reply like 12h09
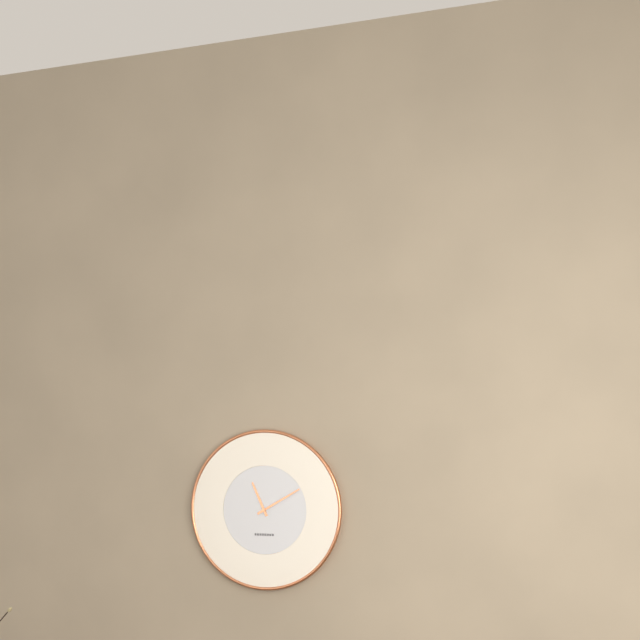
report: 11h10
